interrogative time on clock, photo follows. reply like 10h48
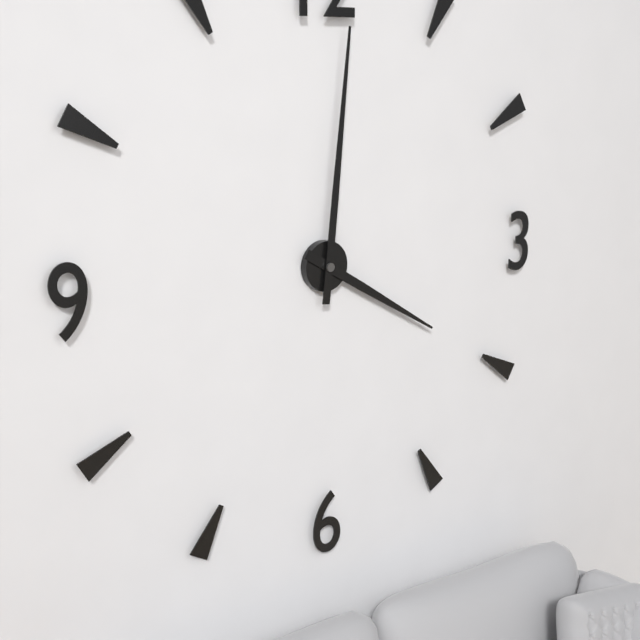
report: 4h01
